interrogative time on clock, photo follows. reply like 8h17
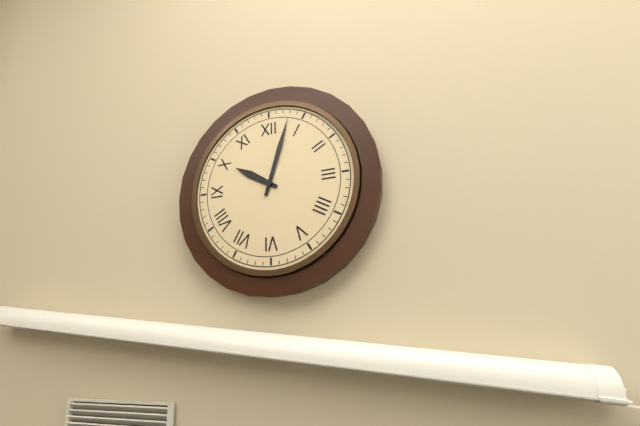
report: 10h03
